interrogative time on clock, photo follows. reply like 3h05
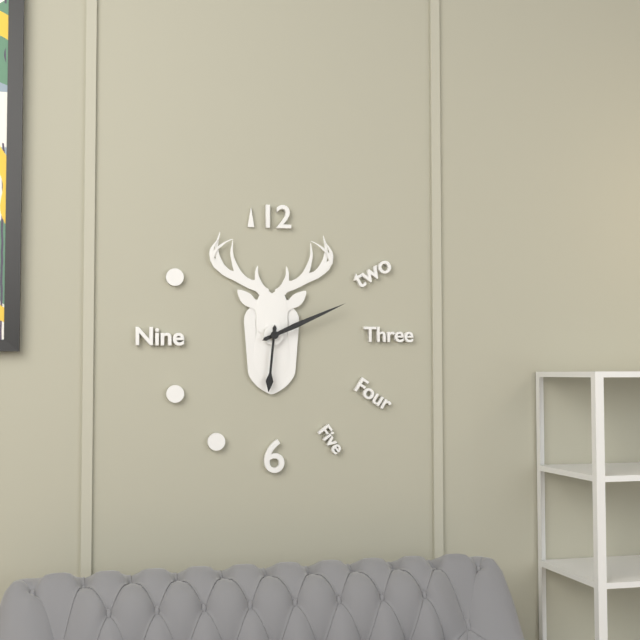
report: 6h11
